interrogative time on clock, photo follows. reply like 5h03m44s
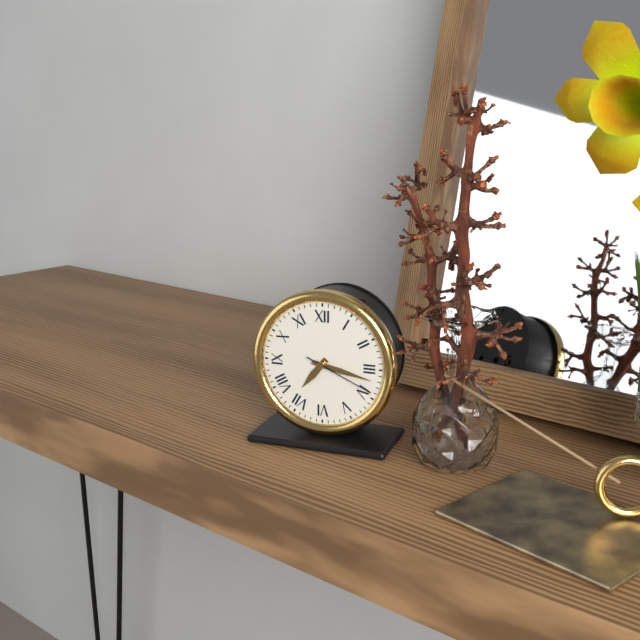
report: 7h17m19s
